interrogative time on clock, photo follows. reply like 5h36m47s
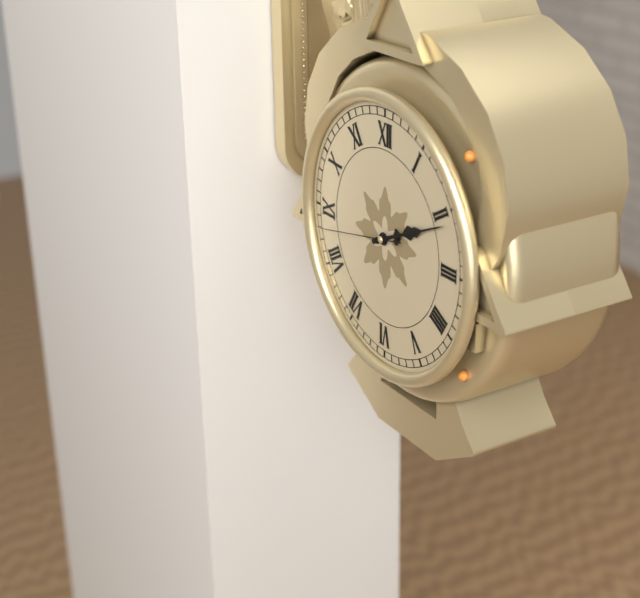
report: 2h11m43s
